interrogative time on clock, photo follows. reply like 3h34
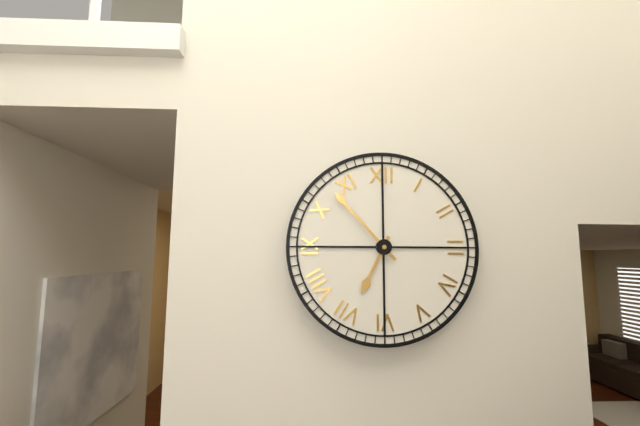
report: 6h53
